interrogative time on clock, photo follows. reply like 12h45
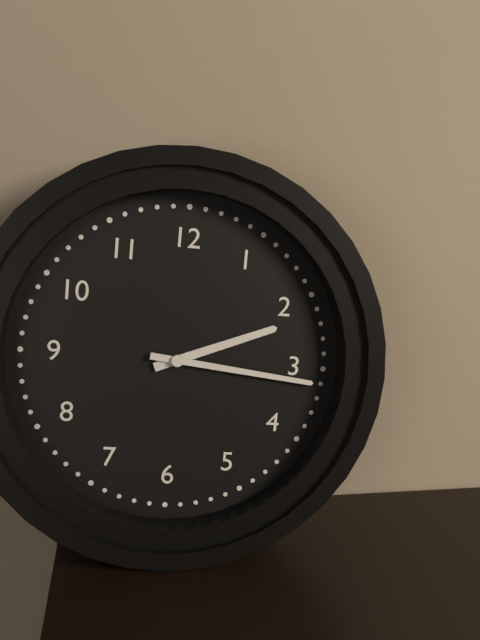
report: 2h16
